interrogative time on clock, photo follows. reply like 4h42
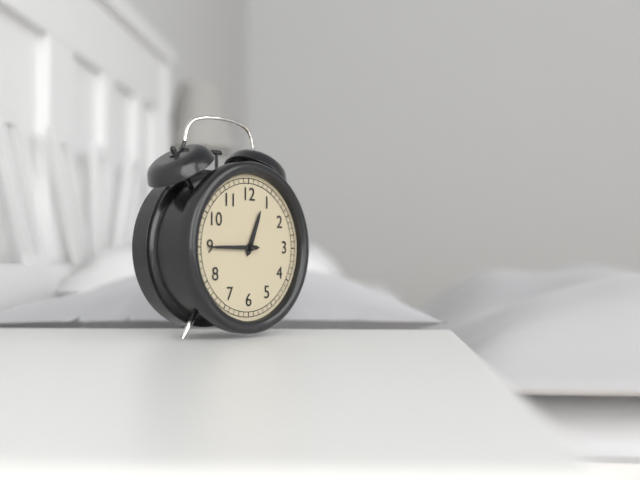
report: 12h45
